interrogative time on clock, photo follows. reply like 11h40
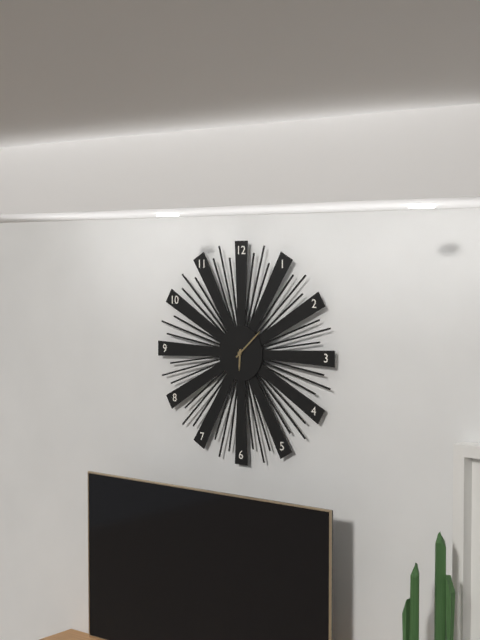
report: 6h08
